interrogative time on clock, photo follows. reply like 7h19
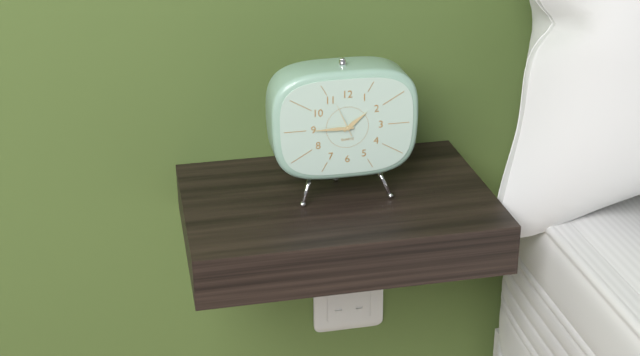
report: 1h45
